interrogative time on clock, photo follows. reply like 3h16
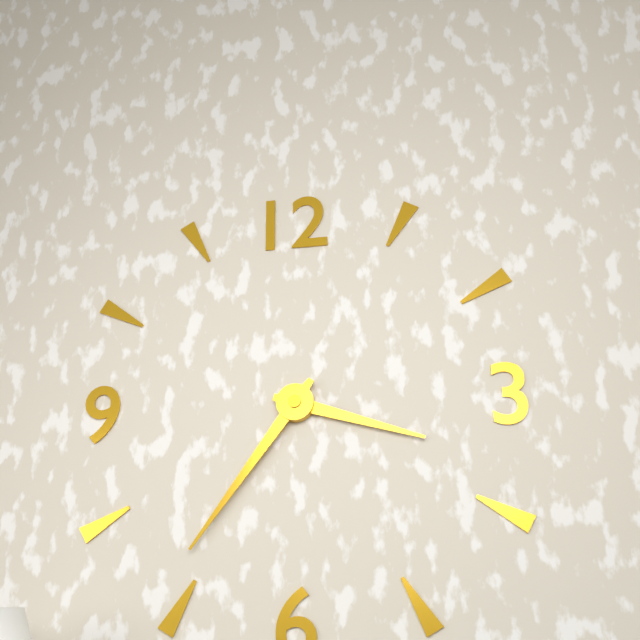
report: 3h36
